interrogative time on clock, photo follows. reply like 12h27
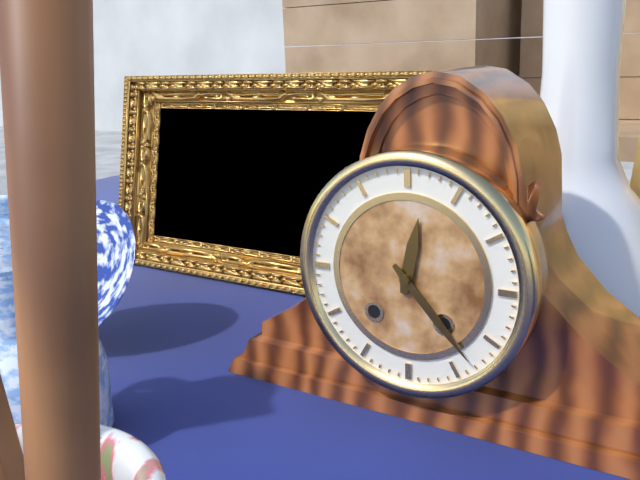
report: 12h23
